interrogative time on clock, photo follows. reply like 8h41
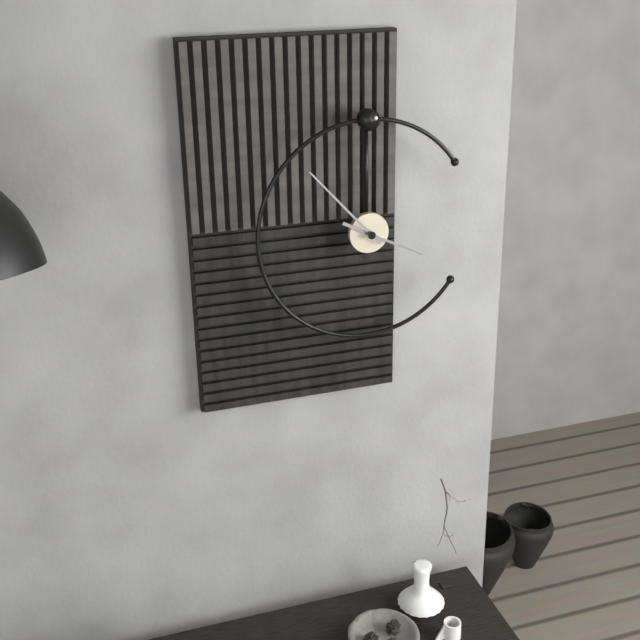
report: 3h53
